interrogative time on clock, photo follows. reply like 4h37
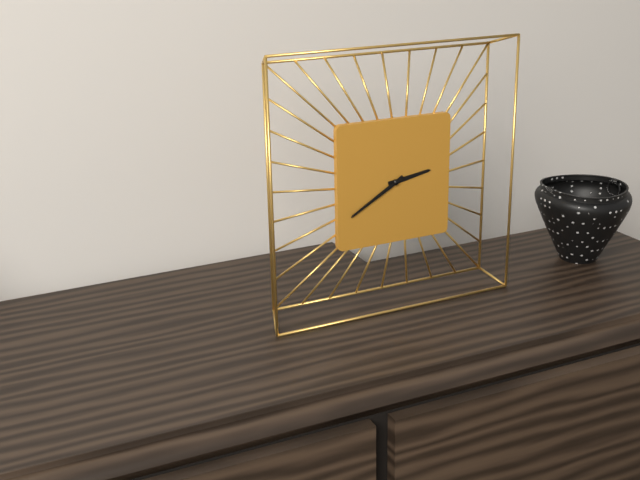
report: 2h40
